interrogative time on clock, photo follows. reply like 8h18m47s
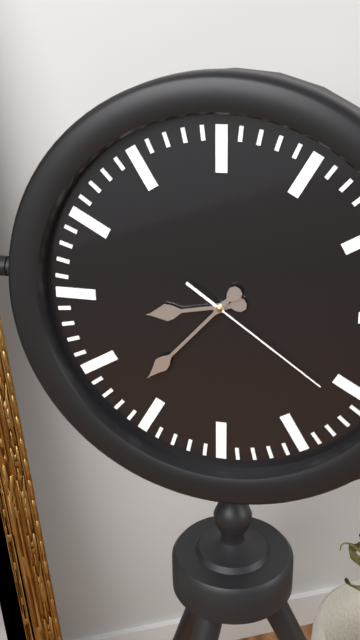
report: 8h37m21s
